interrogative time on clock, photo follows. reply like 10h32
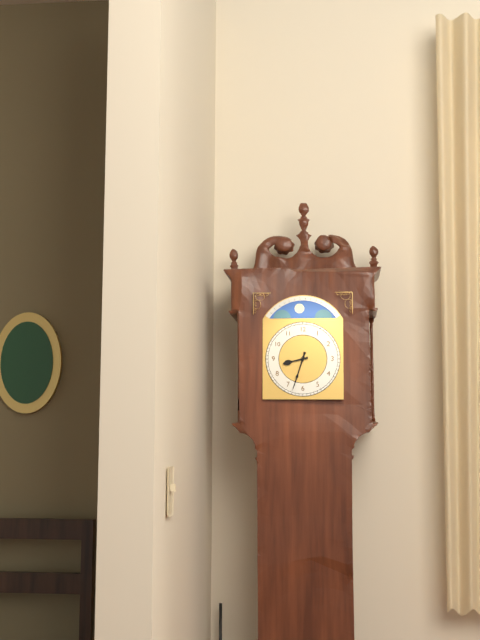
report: 8h33
